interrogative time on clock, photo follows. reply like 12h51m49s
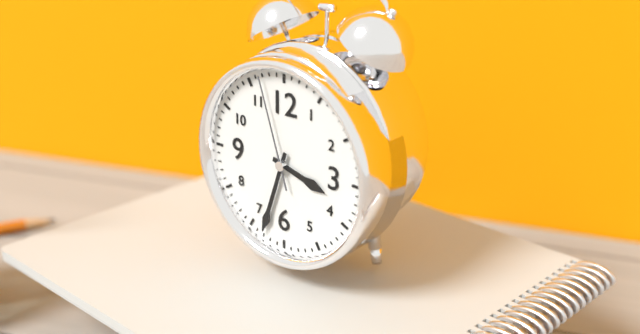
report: 3h33m57s
